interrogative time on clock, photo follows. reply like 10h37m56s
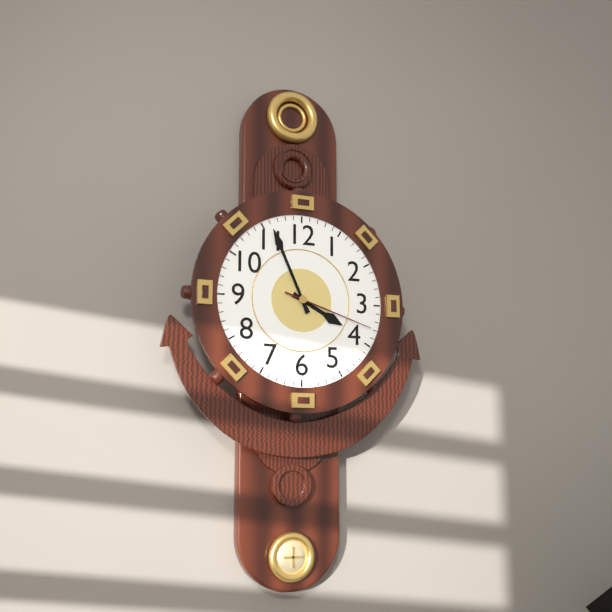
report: 3h56m18s
